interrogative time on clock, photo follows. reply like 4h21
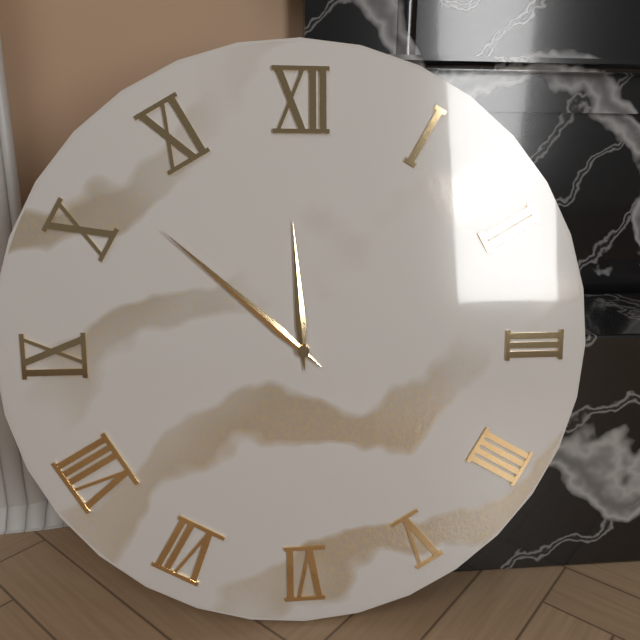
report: 11h52
